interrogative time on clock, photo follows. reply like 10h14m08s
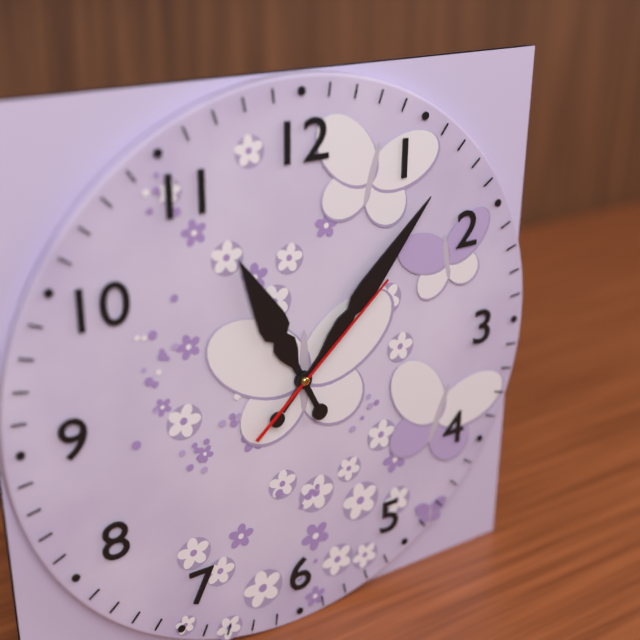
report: 11h07m08s
